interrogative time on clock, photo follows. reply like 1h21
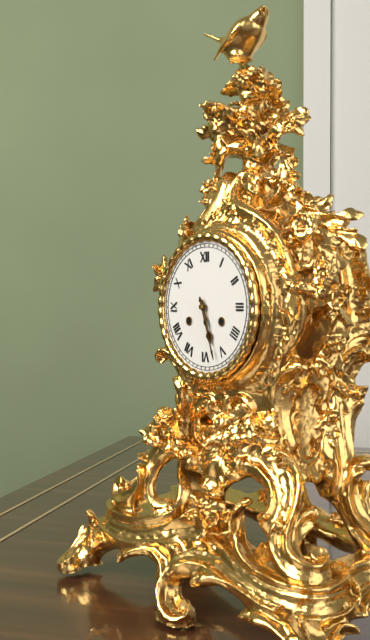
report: 5h27
